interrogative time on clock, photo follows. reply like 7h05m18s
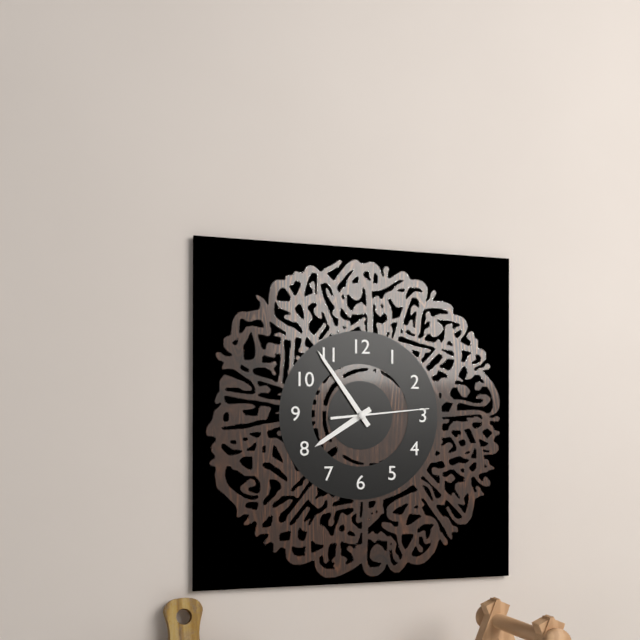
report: 7h54m14s
